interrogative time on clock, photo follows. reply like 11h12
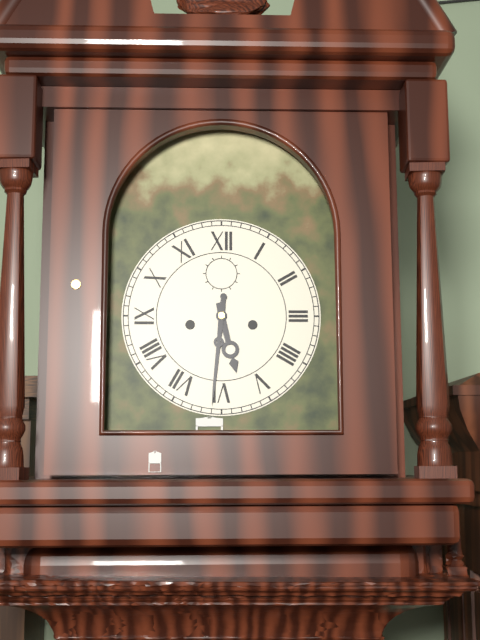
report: 5h31
